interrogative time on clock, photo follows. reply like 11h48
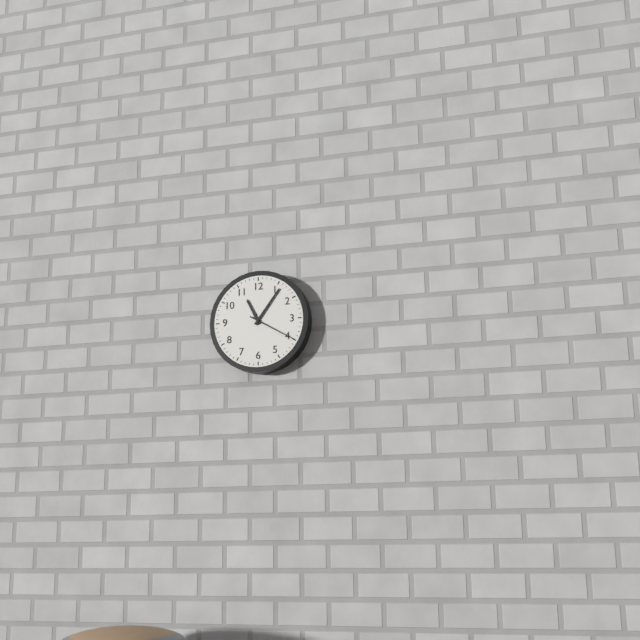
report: 11h06
